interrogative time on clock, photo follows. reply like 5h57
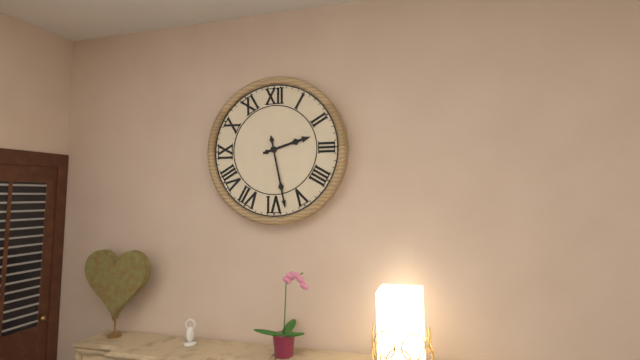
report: 2h28
